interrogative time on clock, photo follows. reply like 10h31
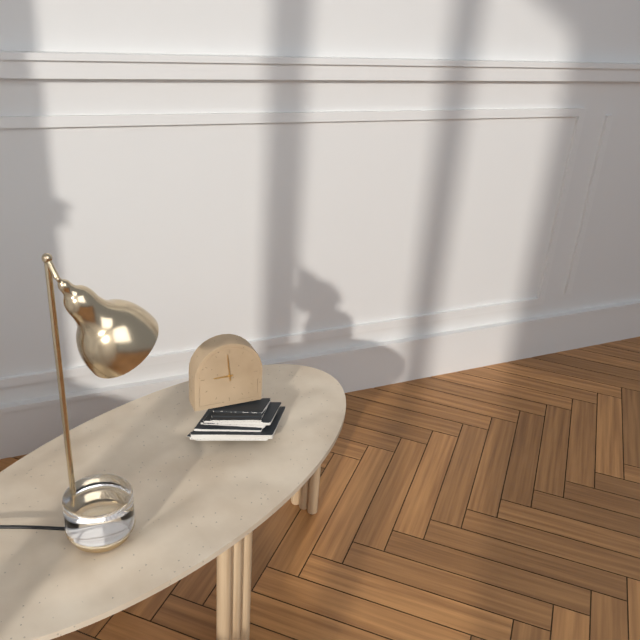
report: 8h59
